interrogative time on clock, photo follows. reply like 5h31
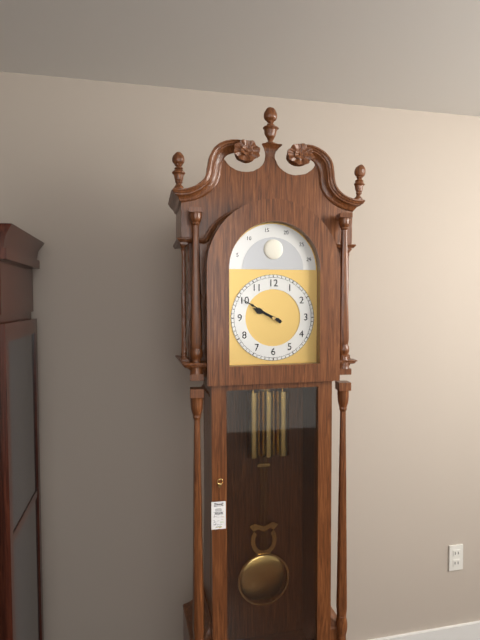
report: 9h50
